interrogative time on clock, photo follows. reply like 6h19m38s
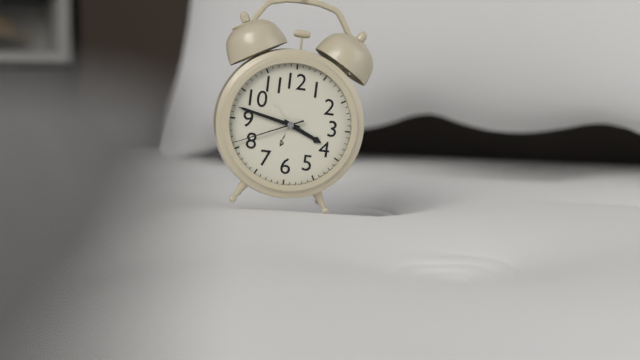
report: 3h47m41s
